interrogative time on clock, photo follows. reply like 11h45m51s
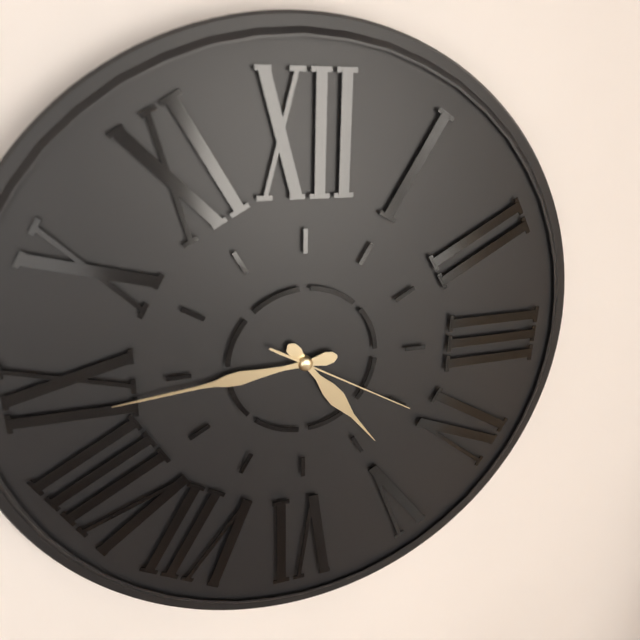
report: 4h44m20s
